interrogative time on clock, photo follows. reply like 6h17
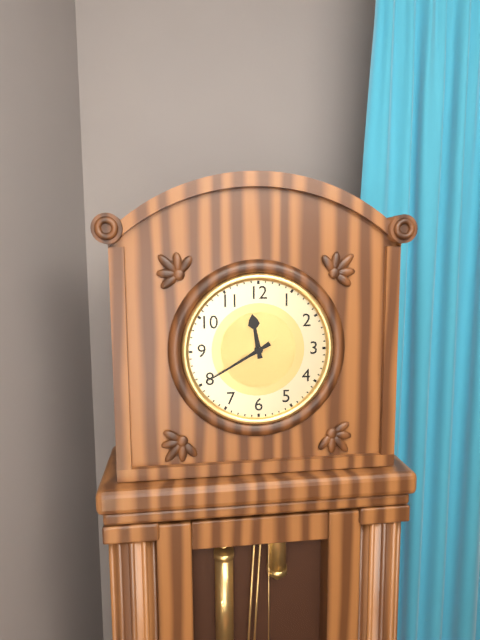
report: 11h40
